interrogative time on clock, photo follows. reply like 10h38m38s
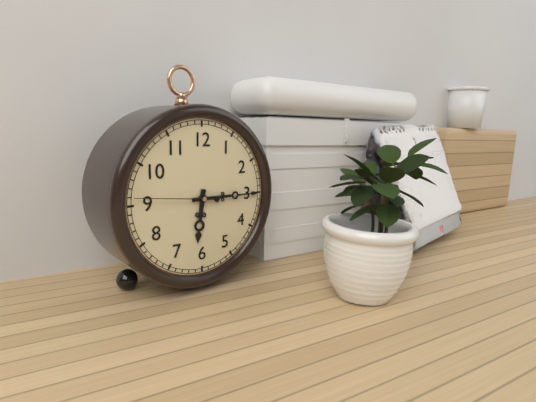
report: 6h15m46s
